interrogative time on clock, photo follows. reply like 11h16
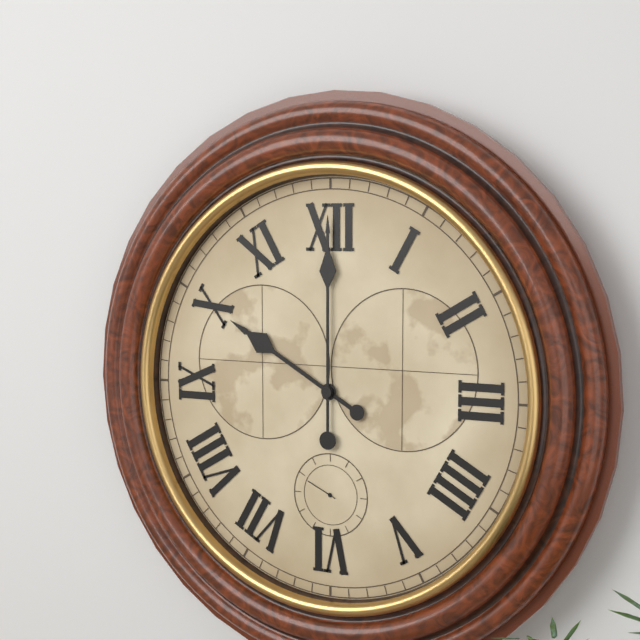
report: 10h00
